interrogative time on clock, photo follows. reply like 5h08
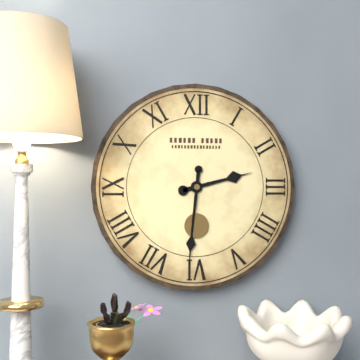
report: 2h31
